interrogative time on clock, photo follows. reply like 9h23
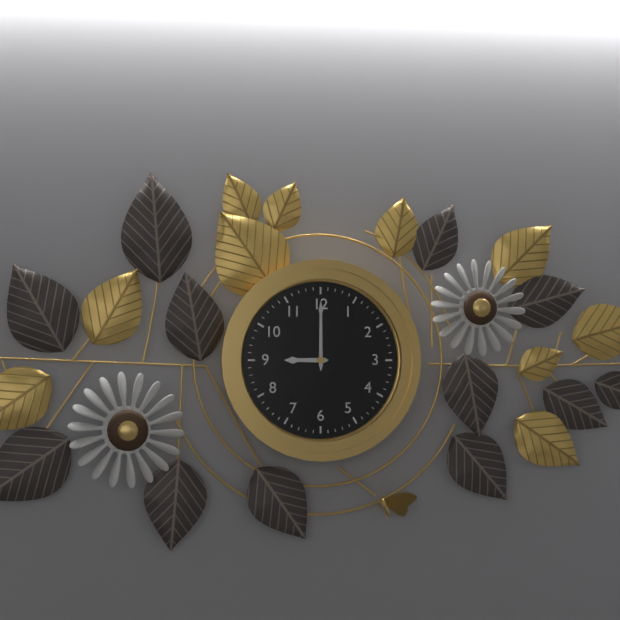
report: 9h00
